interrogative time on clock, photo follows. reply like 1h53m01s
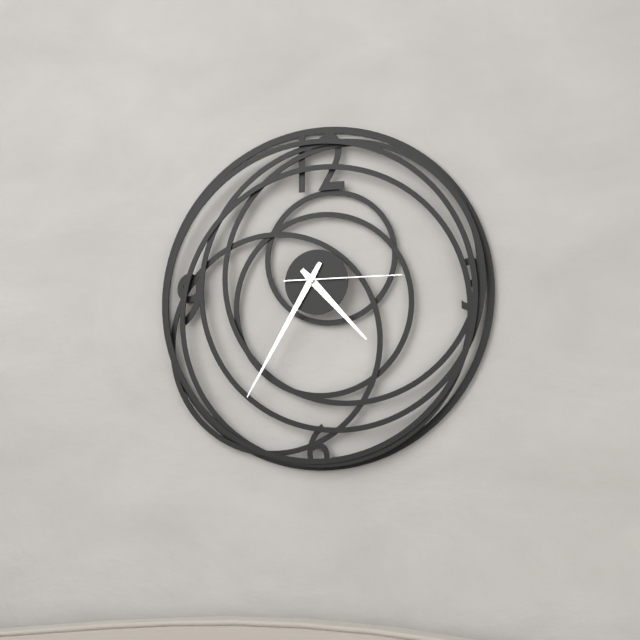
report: 4h35m15s
